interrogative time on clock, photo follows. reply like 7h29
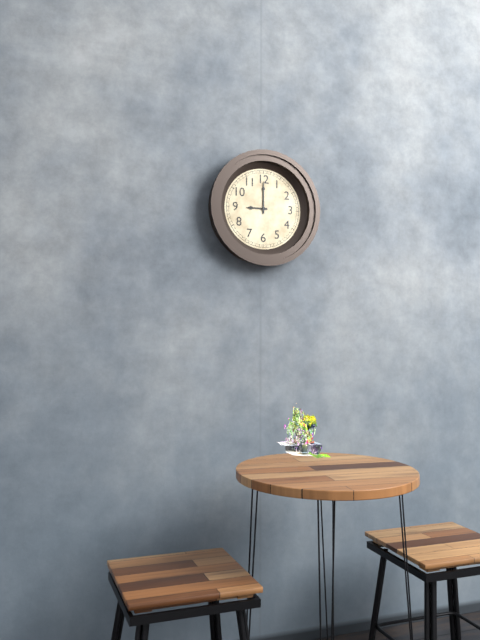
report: 9h00
